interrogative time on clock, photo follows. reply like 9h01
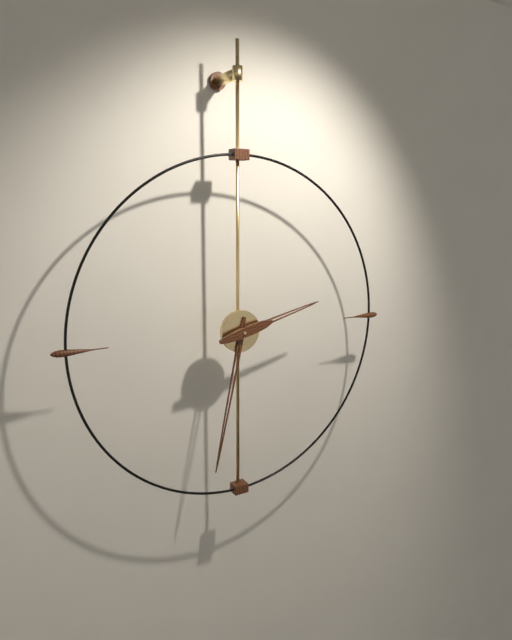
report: 2h32
